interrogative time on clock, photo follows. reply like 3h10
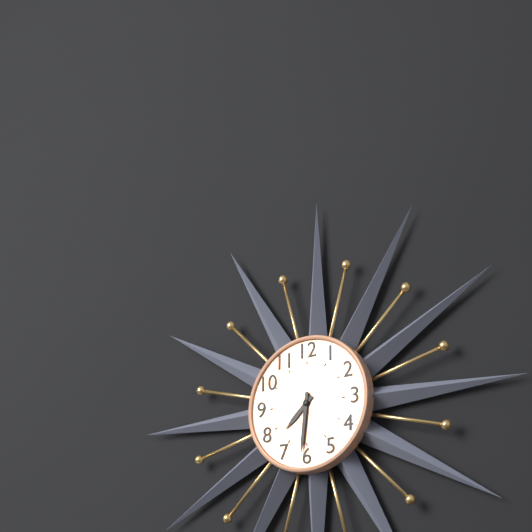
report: 7h31
